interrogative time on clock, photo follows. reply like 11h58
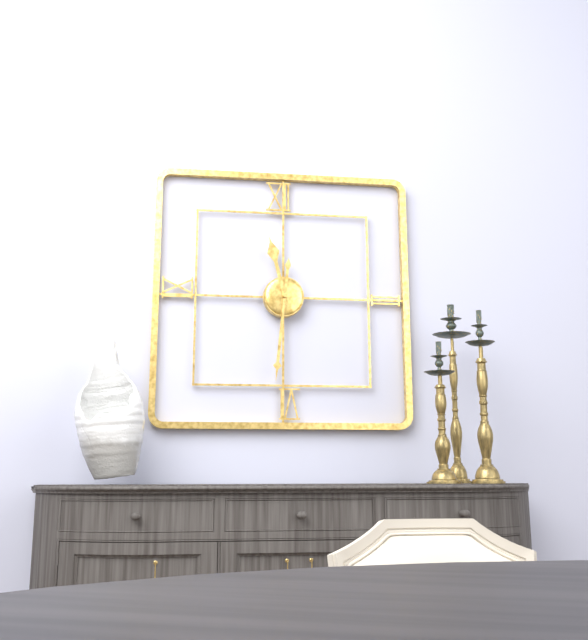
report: 11h31
